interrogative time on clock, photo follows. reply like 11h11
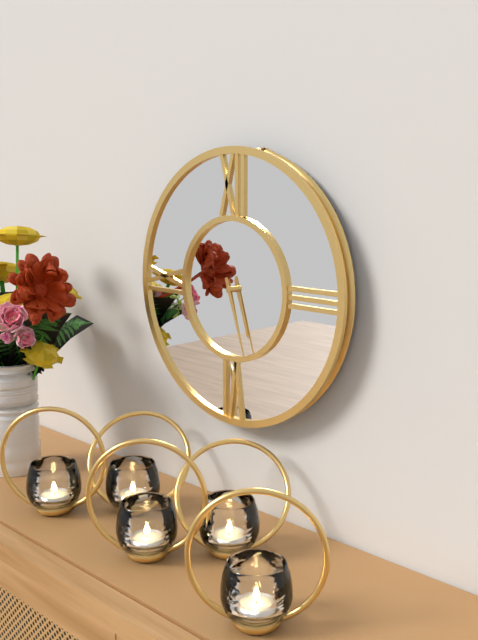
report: 5h27
